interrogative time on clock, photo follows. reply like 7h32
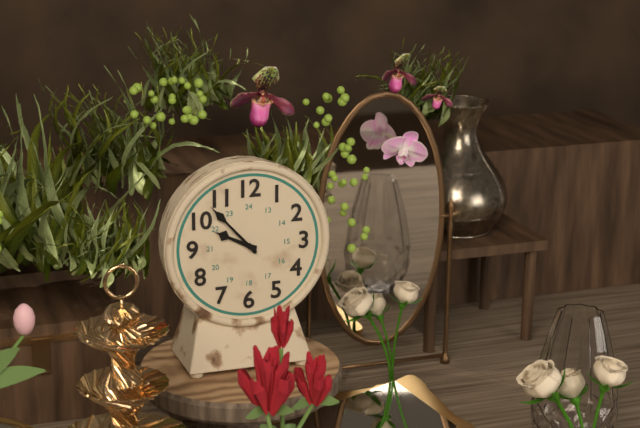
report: 9h53
